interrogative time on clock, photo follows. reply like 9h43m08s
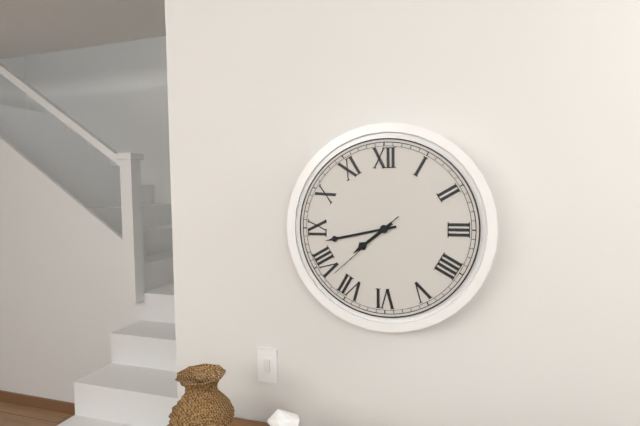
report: 7h43m38s
